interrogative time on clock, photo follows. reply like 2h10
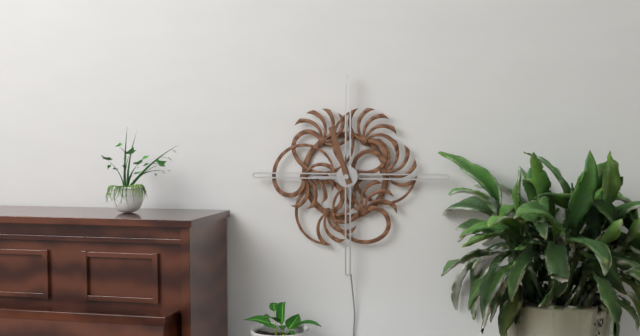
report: 8h57
